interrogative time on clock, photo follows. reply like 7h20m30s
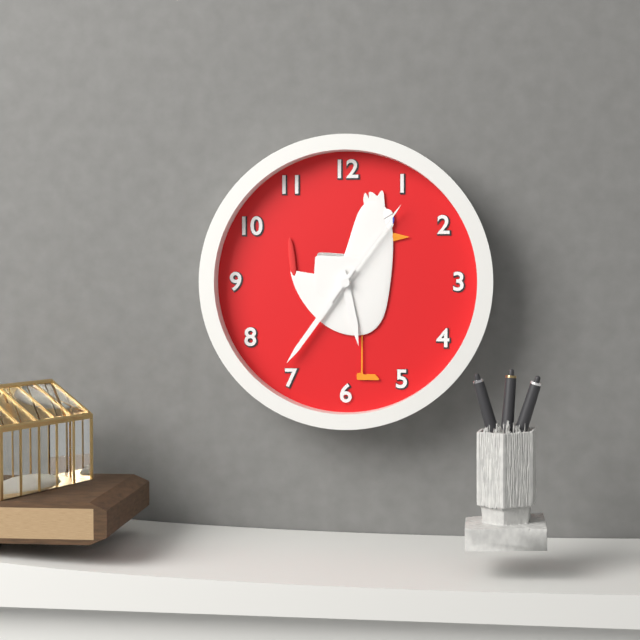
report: 5h36m06s
